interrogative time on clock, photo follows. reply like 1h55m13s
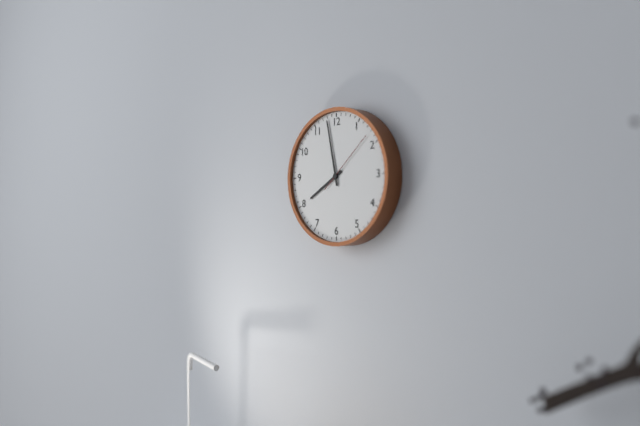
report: 7h58m08s
